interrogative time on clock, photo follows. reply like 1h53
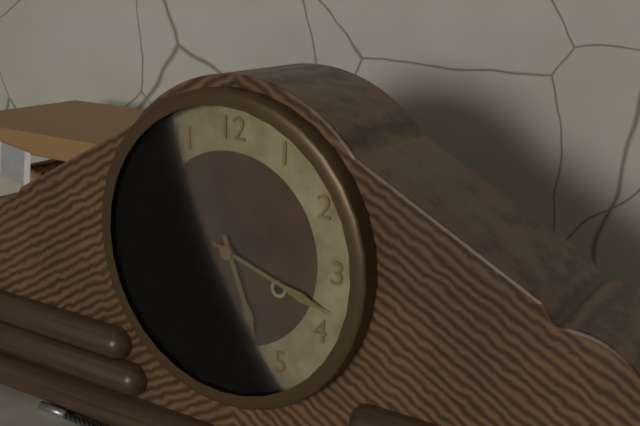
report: 5h18
